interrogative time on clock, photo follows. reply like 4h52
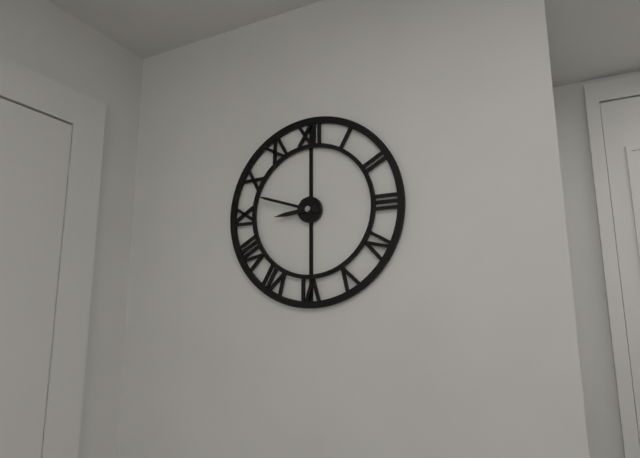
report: 8h48
